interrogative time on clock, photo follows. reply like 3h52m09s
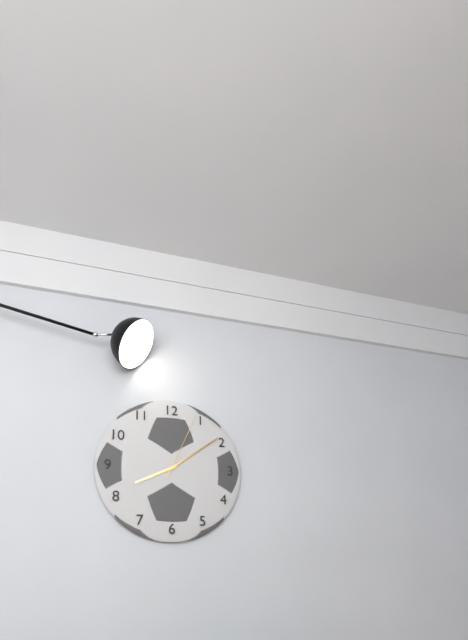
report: 8h09m04s
